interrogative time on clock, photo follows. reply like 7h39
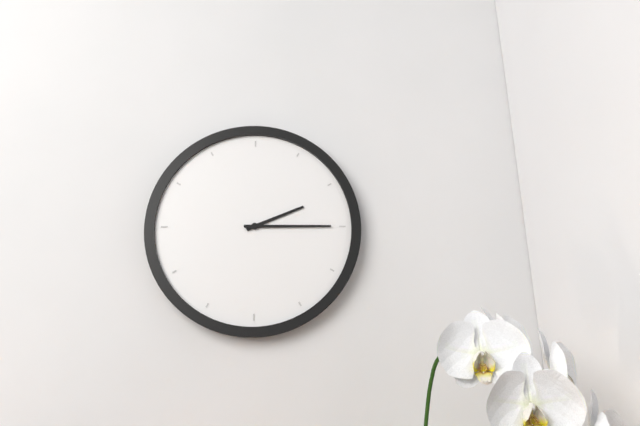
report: 2h15
